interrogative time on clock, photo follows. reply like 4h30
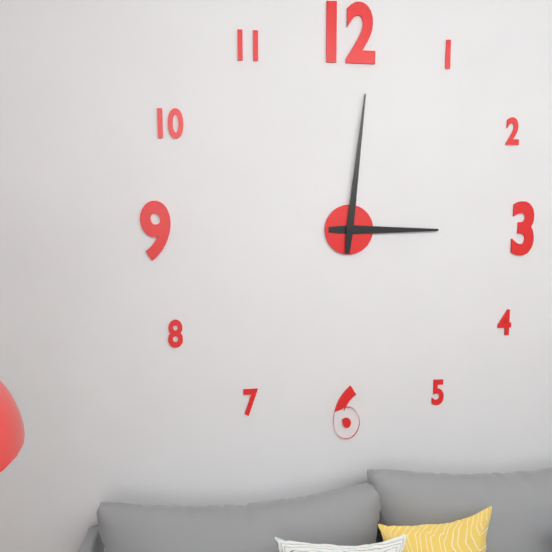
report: 3h01
